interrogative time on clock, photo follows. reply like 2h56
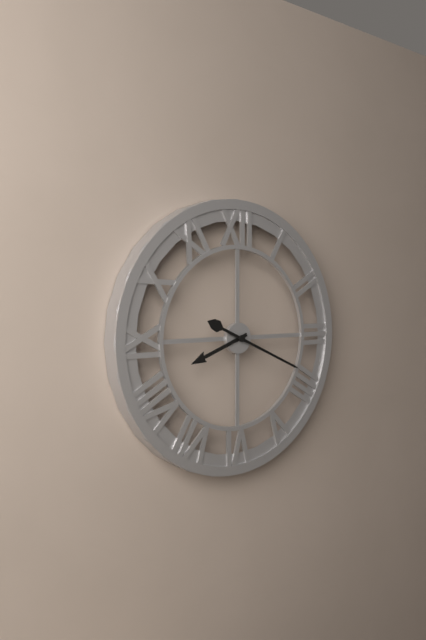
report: 8h19
